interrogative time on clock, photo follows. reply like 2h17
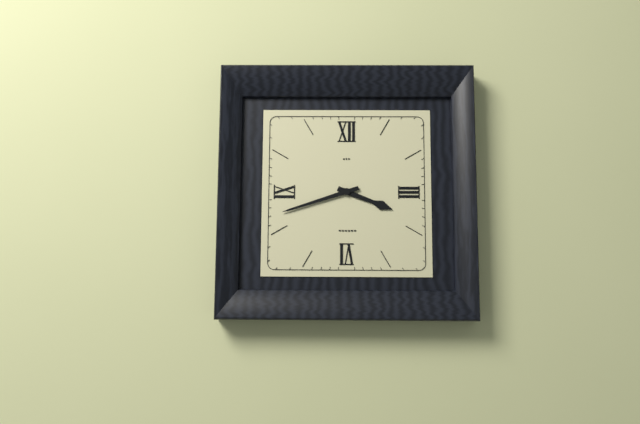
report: 3h42
